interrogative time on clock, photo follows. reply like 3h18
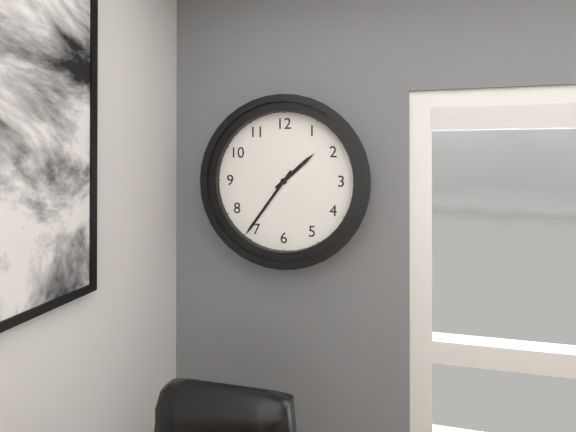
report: 1h36
